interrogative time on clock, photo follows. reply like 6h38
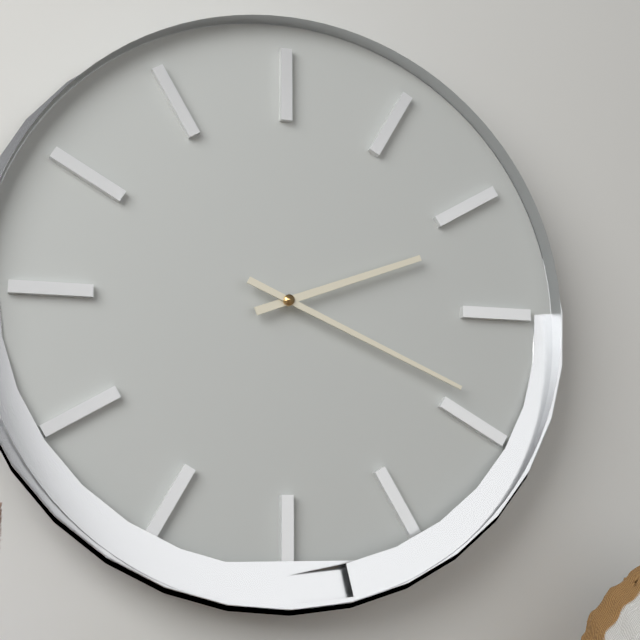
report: 2h19
